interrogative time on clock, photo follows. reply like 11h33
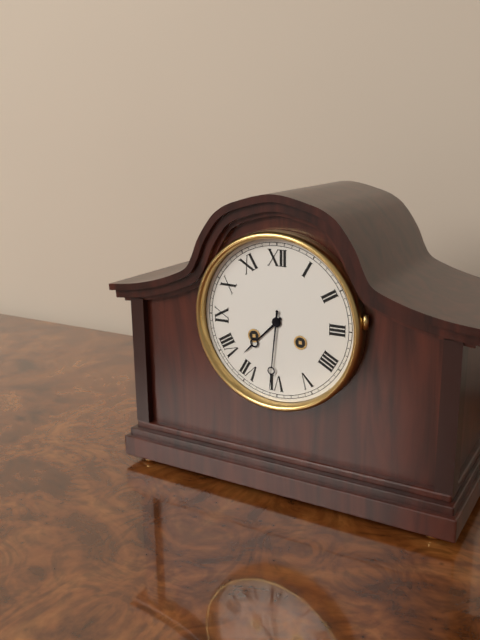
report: 7h31
